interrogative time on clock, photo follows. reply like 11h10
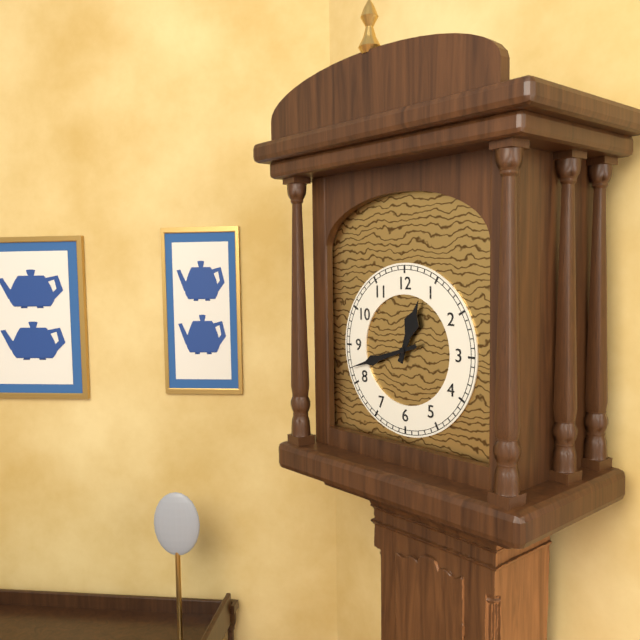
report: 12h42
